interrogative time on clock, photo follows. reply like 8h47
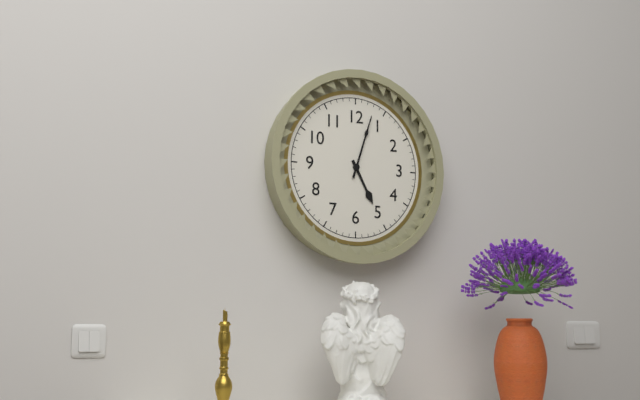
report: 5h03
